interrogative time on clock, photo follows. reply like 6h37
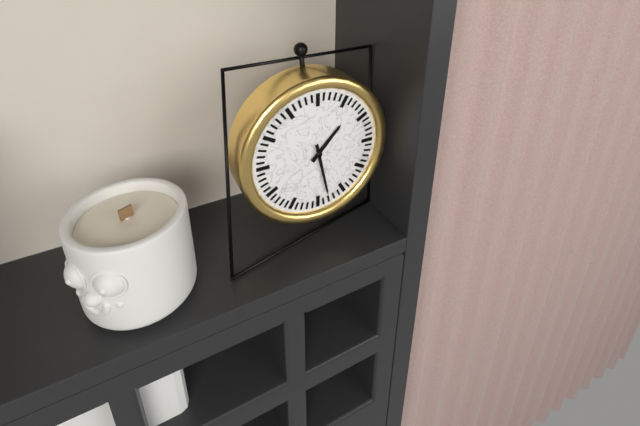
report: 1h28
